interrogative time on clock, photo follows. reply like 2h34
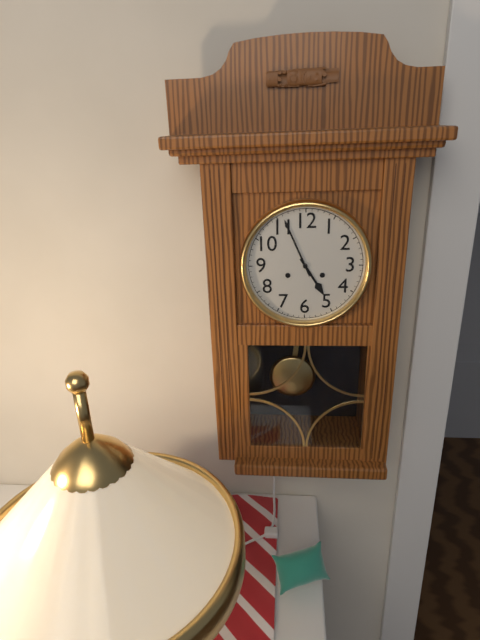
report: 4h56
